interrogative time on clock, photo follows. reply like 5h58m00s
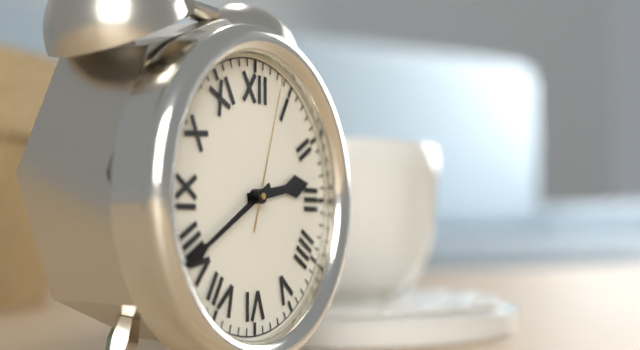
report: 2h40m03s
